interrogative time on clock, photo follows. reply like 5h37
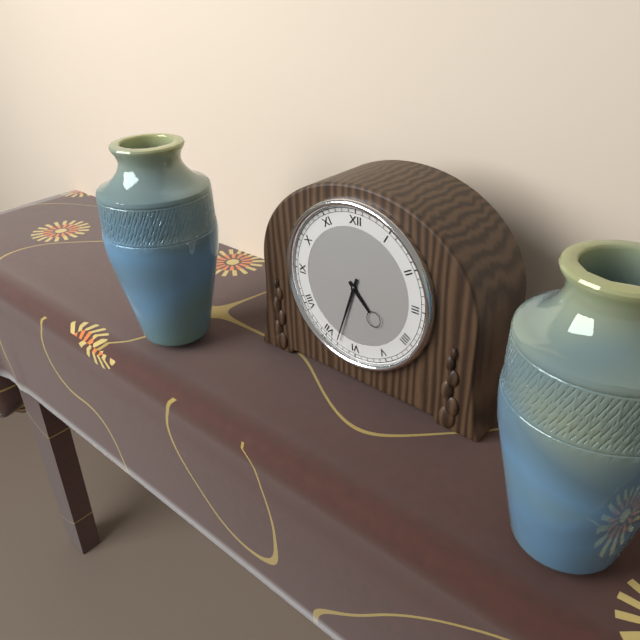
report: 4h33
